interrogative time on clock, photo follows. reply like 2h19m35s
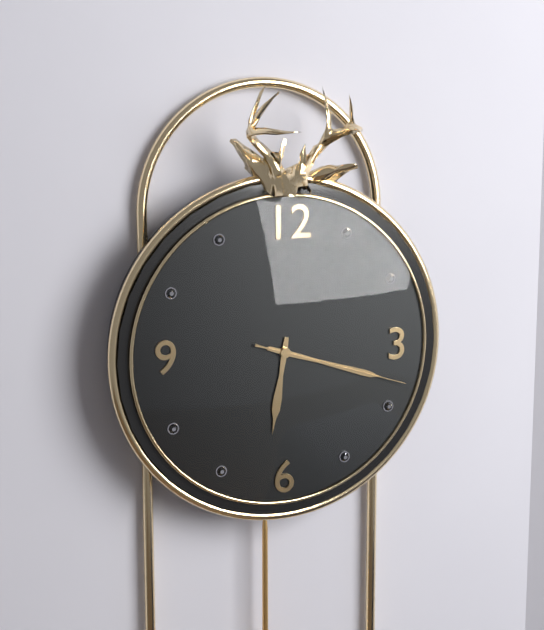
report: 6h18m18s
